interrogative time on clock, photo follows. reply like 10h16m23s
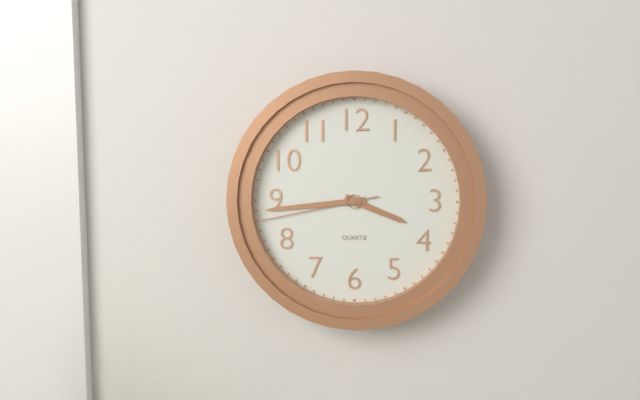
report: 3h44m43s
